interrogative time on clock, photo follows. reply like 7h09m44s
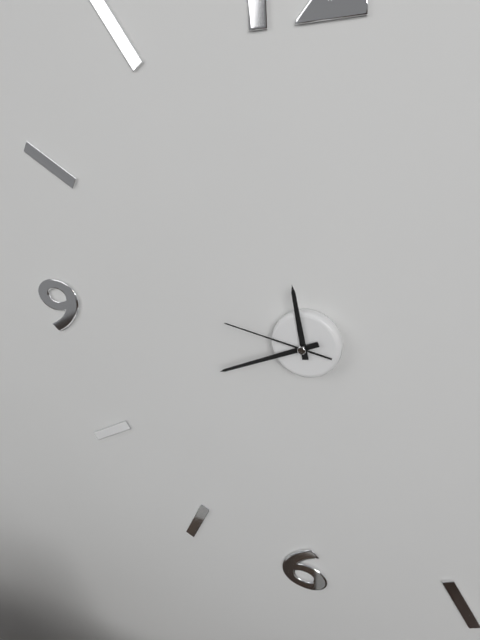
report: 11h41m47s
